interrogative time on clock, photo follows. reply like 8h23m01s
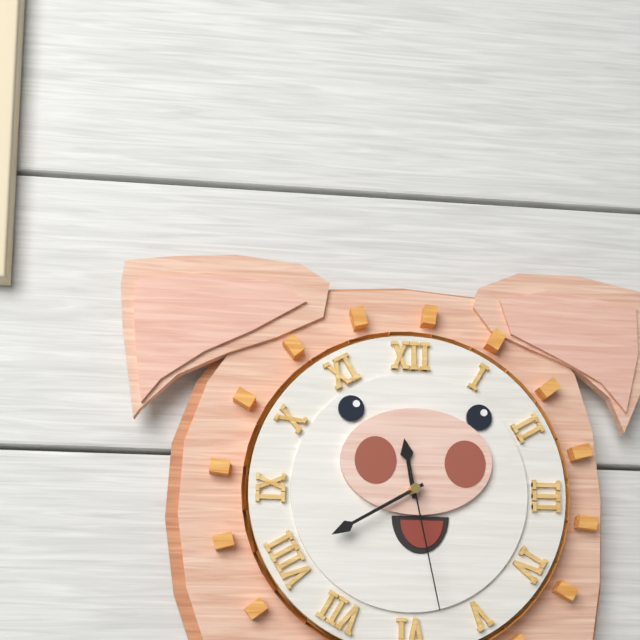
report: 11h40m28s
